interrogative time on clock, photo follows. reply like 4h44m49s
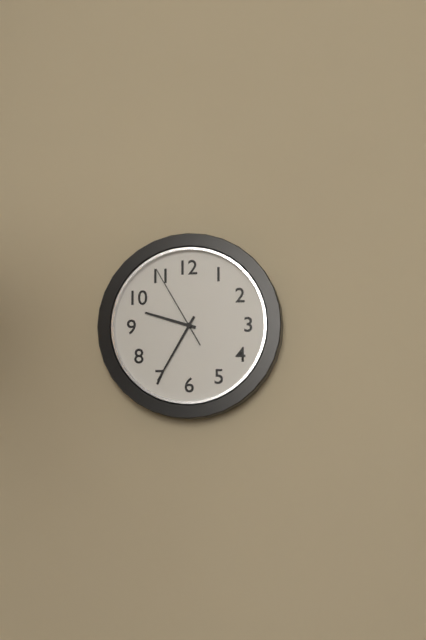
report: 9h35m55s
